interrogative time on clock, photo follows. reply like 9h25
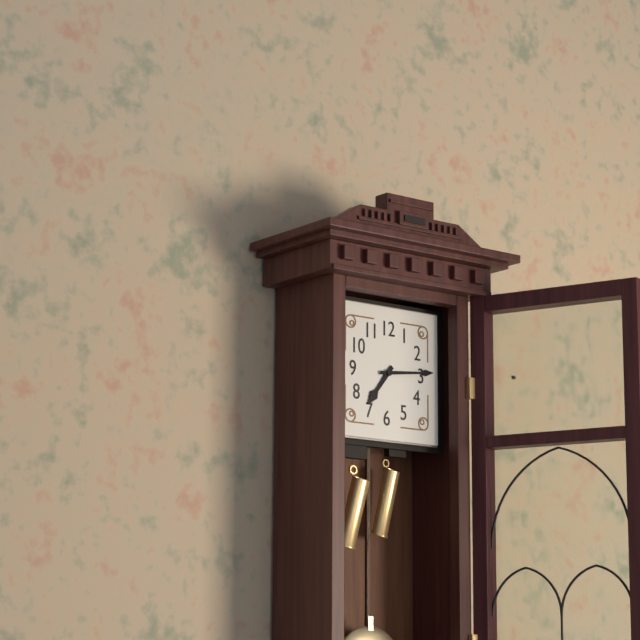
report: 7h14
